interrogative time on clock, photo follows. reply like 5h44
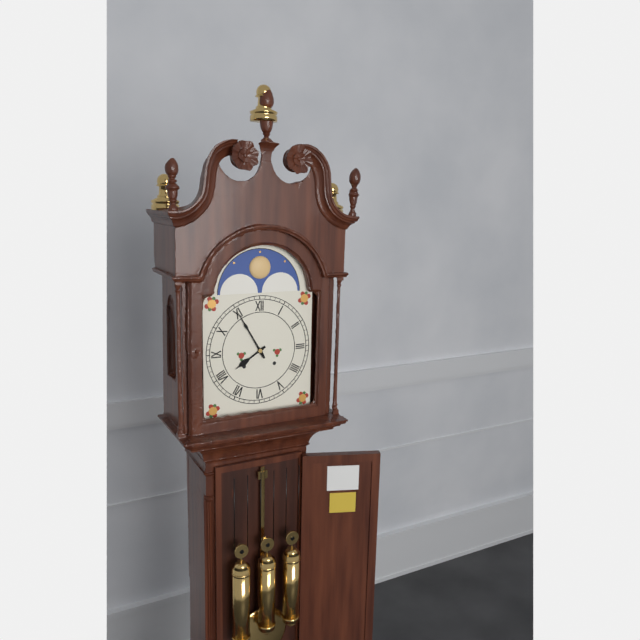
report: 7h55
